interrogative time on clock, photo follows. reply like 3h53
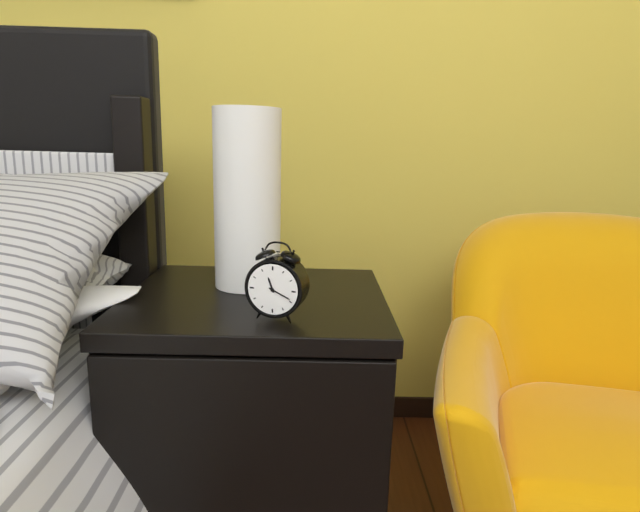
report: 11h19
